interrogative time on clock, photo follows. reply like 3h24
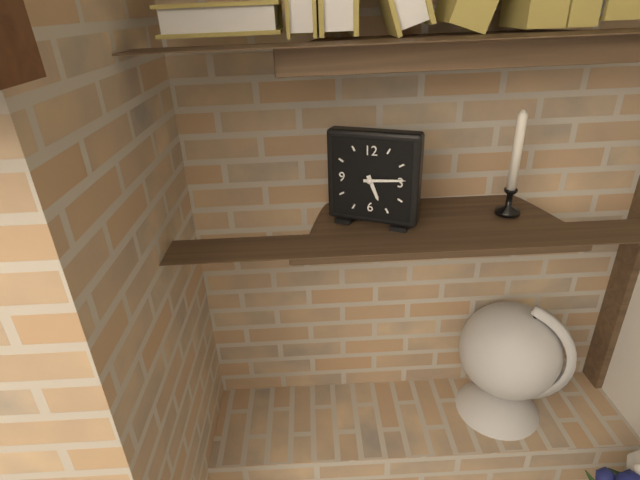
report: 5h14
